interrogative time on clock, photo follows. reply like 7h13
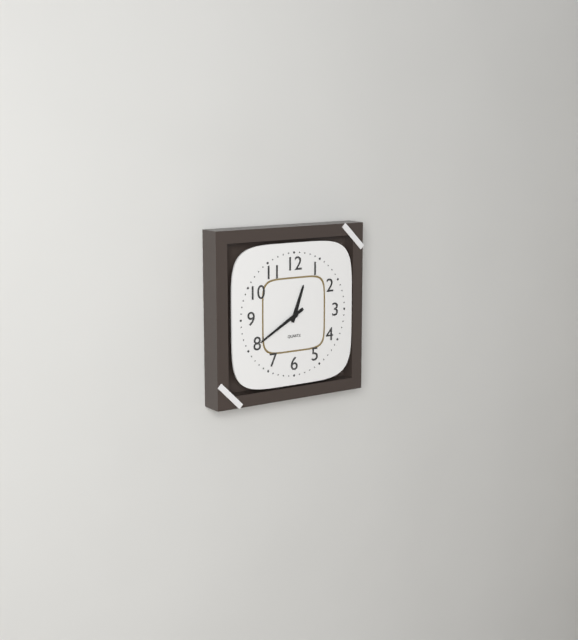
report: 12h40
